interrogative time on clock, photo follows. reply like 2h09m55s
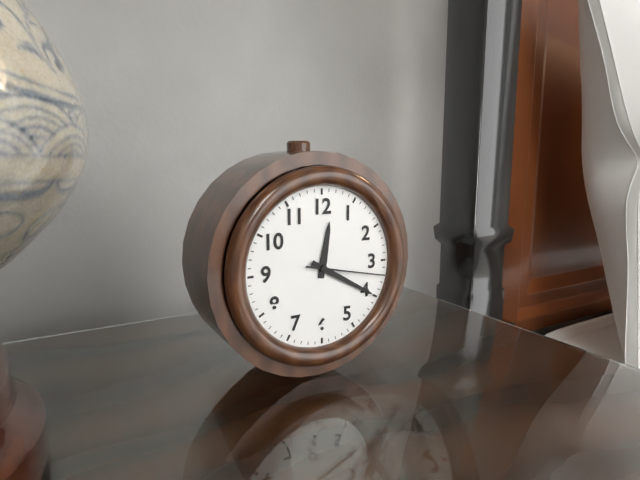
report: 12h20m17s
